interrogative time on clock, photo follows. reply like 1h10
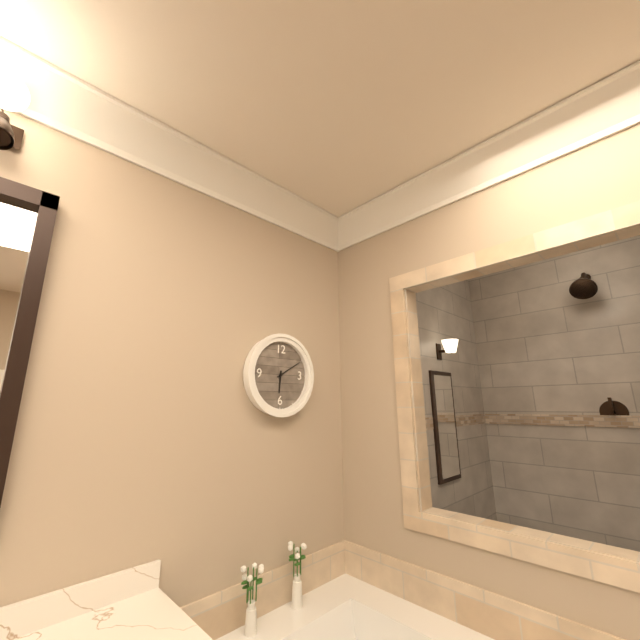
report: 6h10
